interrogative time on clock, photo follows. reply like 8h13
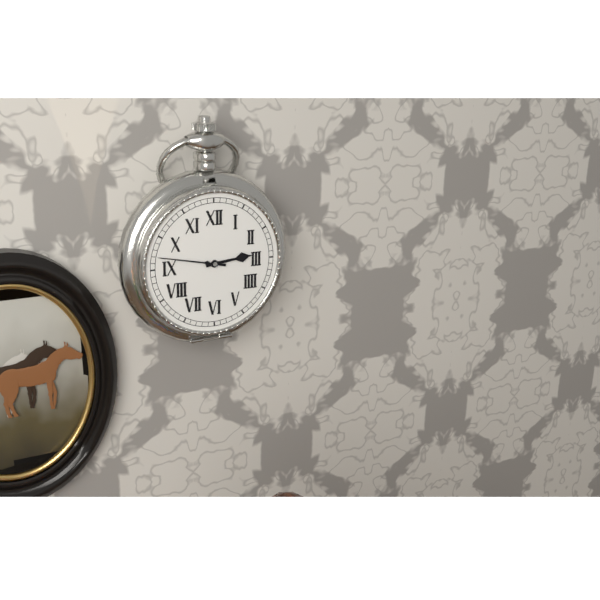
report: 2h47
